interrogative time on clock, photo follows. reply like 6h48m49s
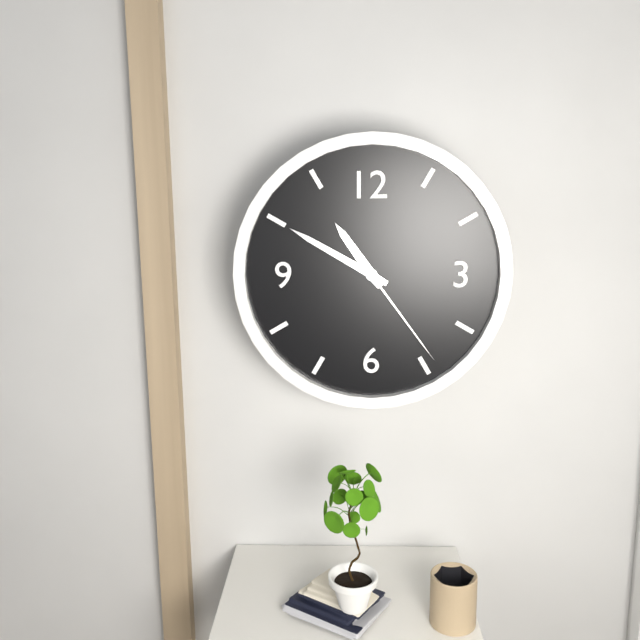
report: 10h50m24s
